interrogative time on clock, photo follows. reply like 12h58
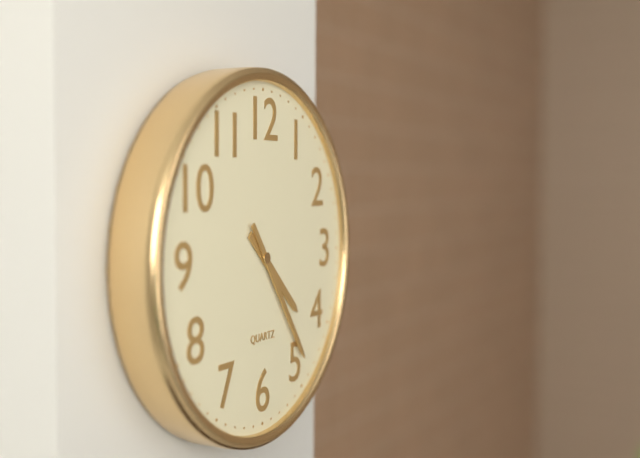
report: 4h24
